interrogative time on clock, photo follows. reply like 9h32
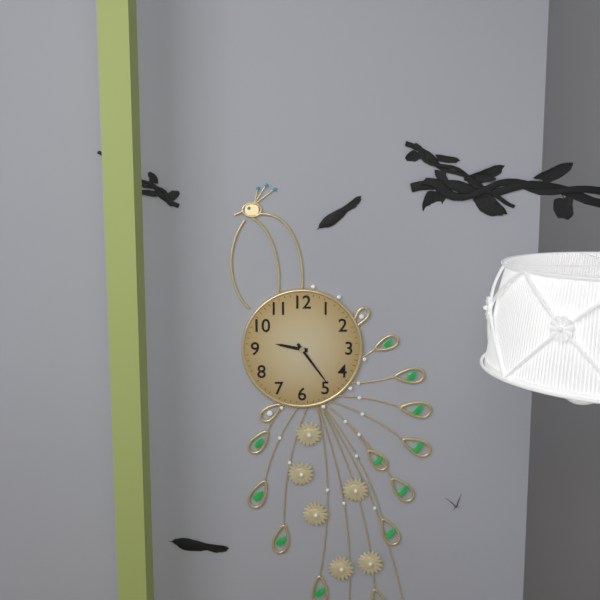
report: 9h24
